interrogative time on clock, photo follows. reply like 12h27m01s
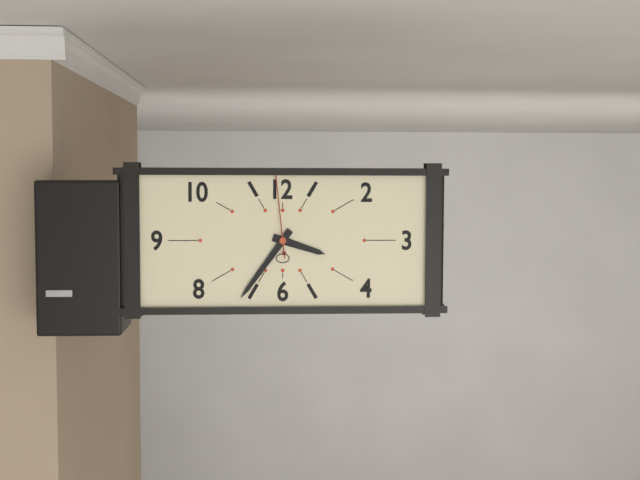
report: 3h36m59s
